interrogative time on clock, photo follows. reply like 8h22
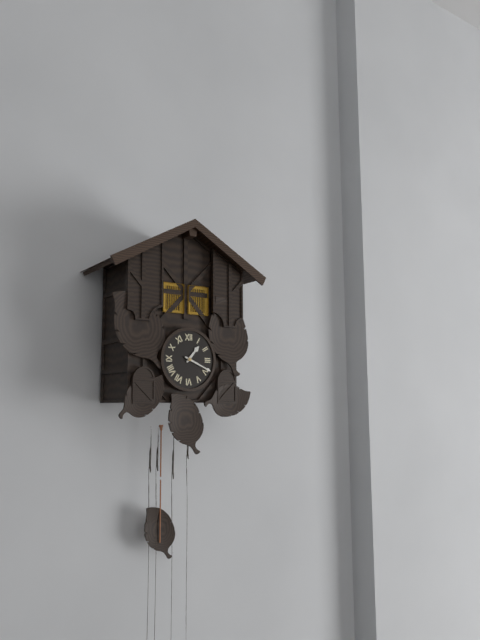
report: 1h19
